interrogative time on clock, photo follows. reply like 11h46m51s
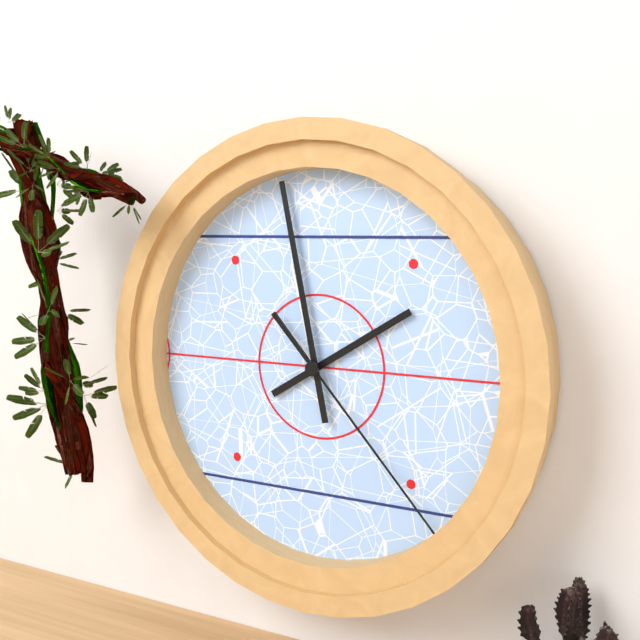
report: 1h58m23s
